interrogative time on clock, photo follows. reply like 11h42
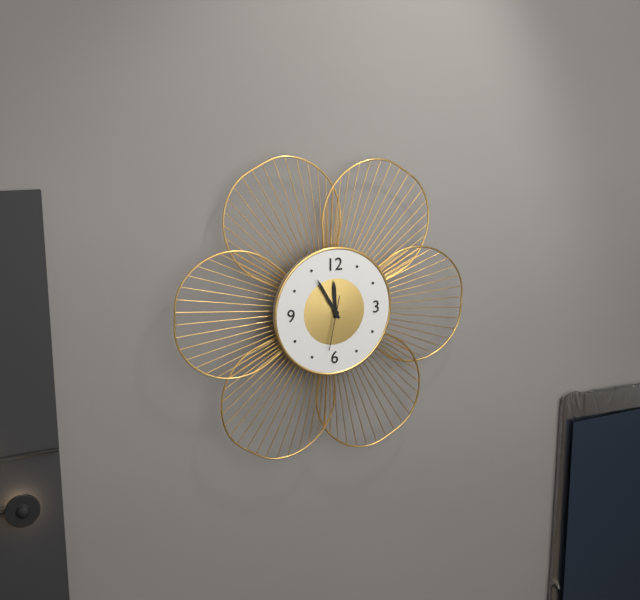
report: 11h55
